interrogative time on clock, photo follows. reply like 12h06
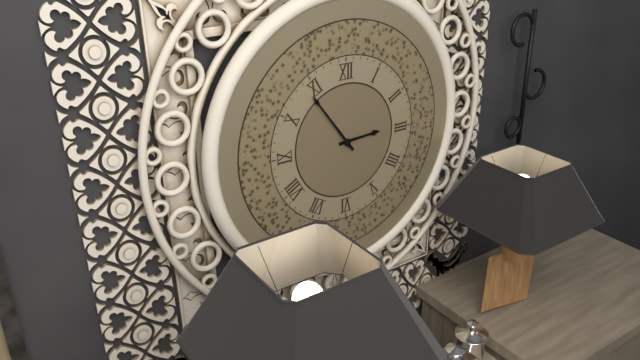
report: 2h54
